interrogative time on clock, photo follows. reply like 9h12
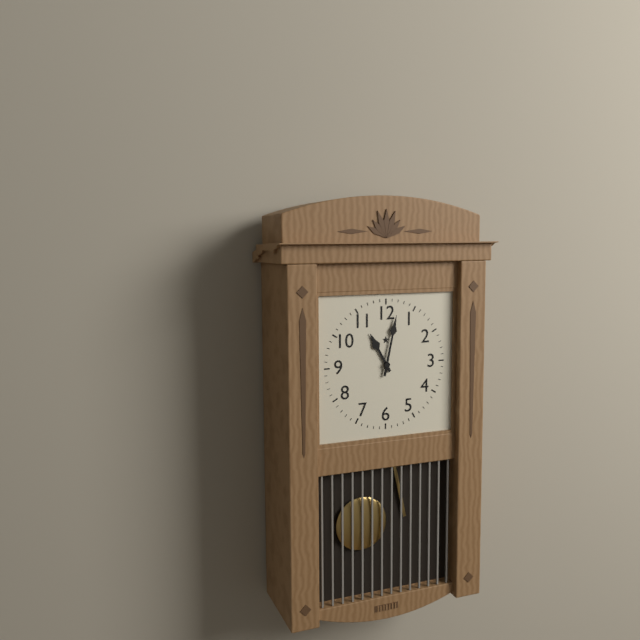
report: 11h02
